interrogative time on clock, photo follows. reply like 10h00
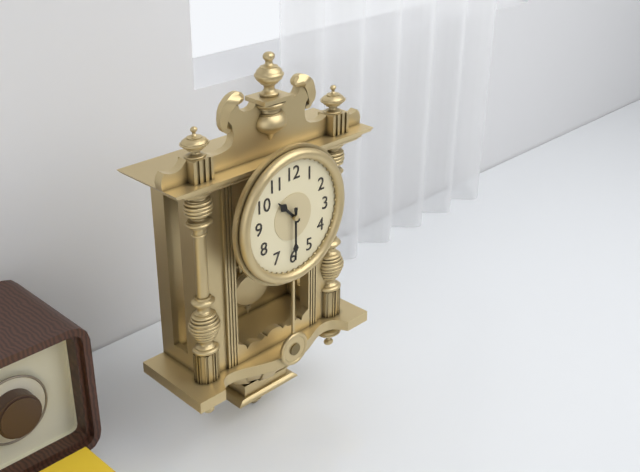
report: 10h30
